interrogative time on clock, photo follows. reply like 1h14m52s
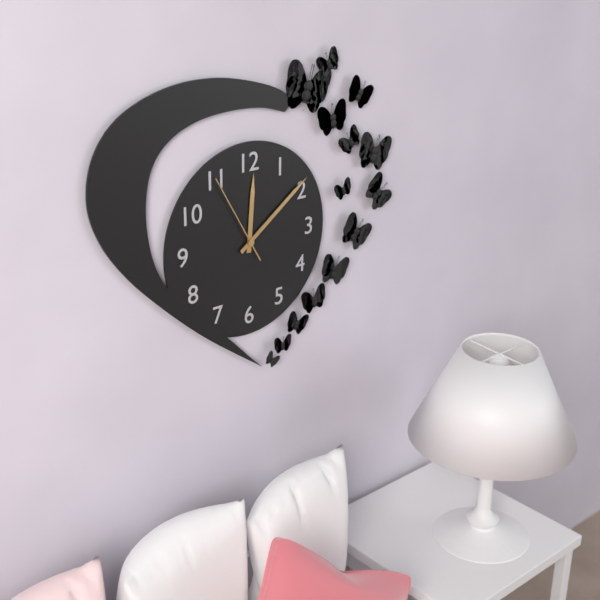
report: 12h09m55s
